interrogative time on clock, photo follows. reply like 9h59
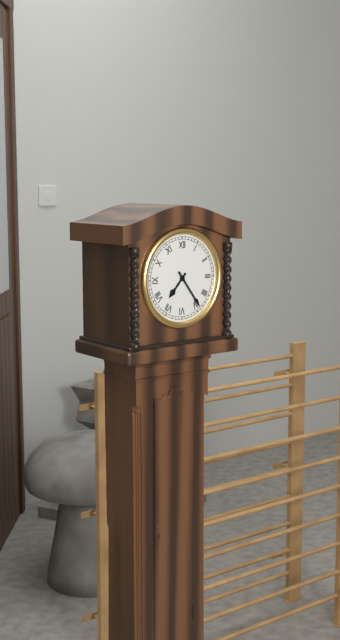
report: 7h24
